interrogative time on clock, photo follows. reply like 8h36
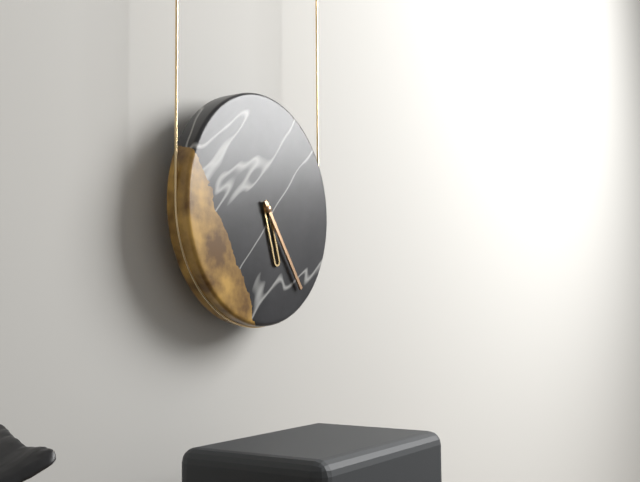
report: 5h24
